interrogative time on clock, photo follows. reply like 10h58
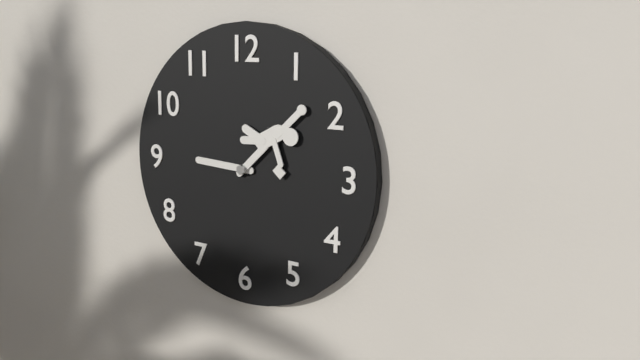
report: 9h07
